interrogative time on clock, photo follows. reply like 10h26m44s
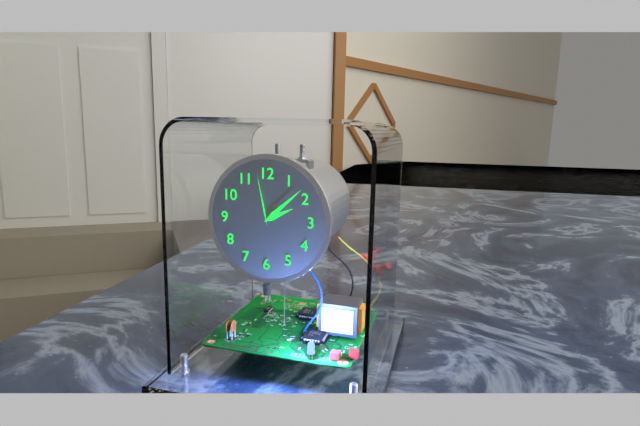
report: 2h08m58s
